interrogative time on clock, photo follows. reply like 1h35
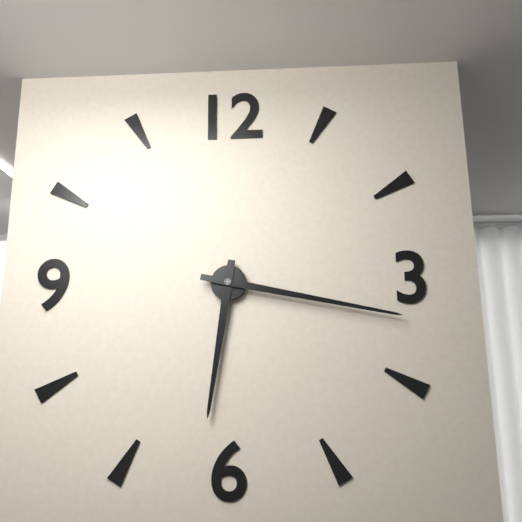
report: 6h17
